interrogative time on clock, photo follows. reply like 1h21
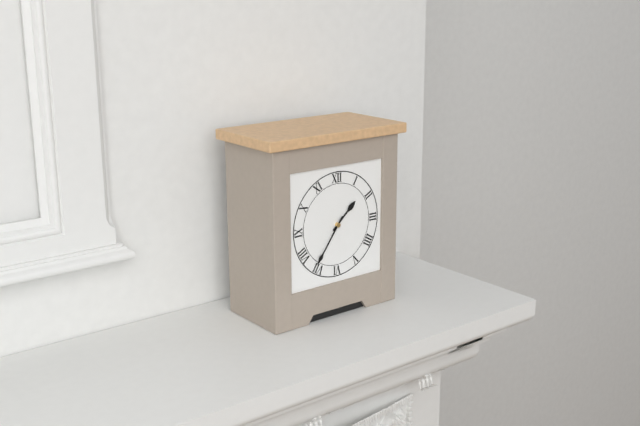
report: 1h36
